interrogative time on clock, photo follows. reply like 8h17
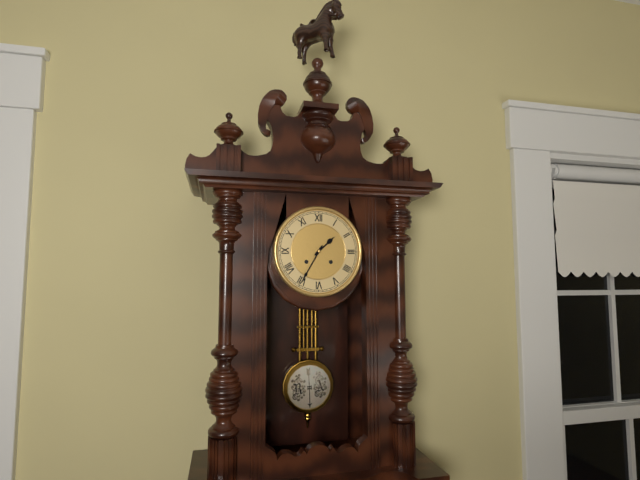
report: 1h35
